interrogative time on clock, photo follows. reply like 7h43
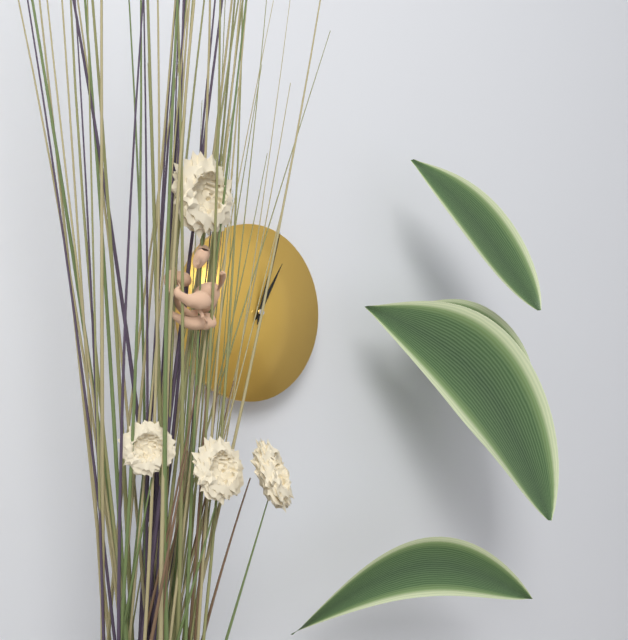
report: 1h03
